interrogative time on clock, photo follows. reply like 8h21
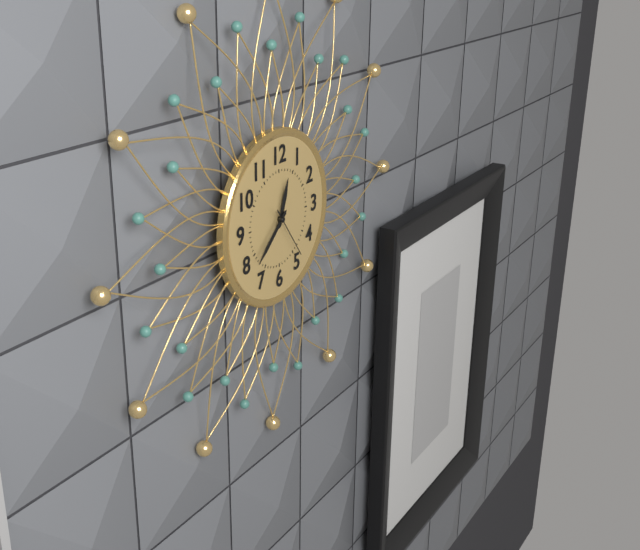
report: 12h38
